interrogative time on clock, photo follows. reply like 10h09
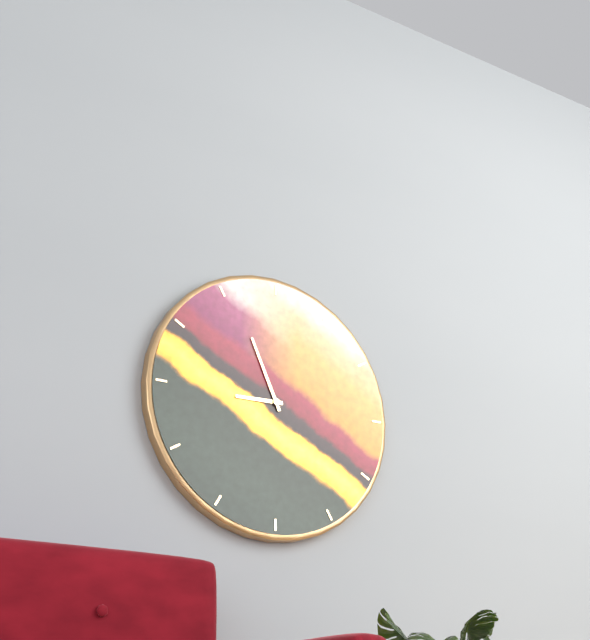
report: 8h56
